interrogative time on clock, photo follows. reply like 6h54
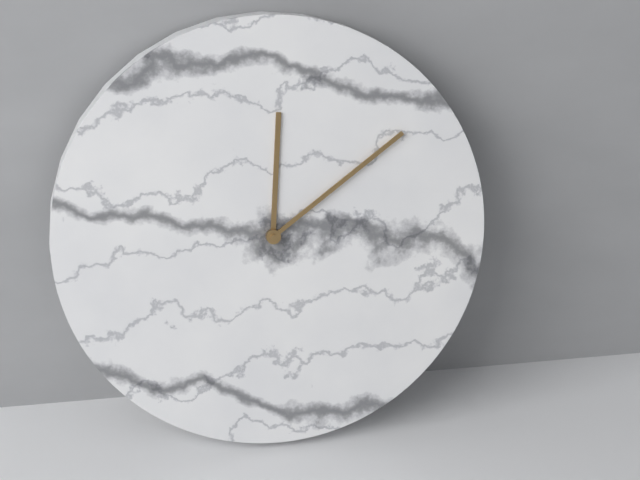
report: 12h09
